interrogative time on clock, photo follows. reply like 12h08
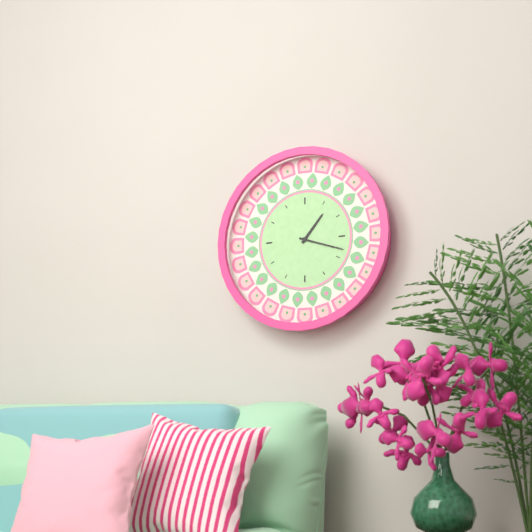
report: 1h18
